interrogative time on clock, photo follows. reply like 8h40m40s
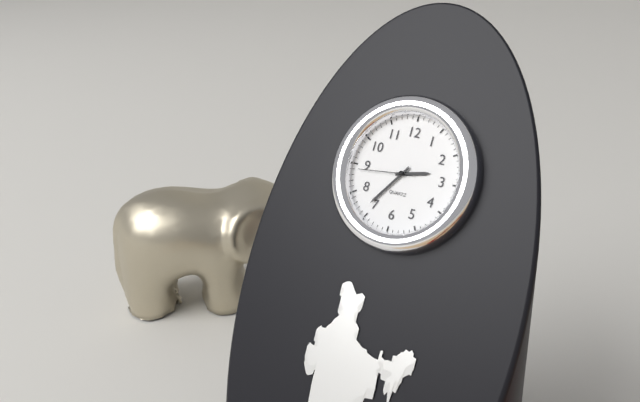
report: 2h36m44s
